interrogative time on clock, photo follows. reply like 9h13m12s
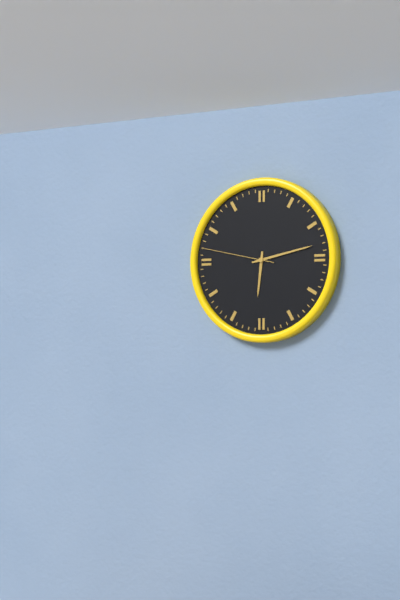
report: 6h13m47s
